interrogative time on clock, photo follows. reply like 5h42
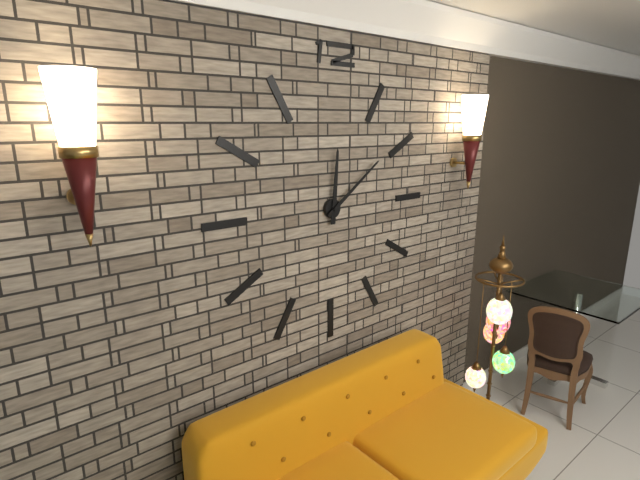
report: 12h09
